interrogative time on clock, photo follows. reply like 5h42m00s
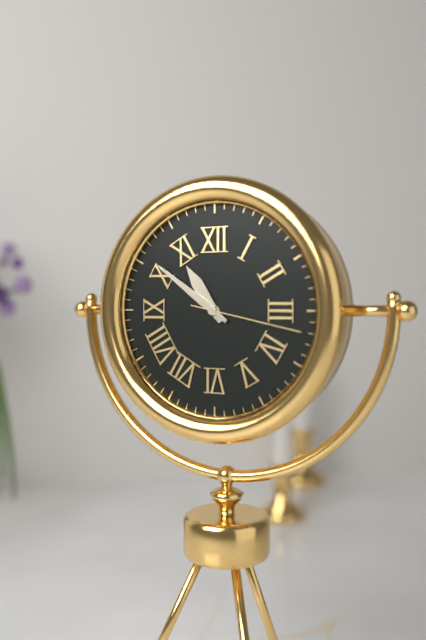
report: 10h51m17s
